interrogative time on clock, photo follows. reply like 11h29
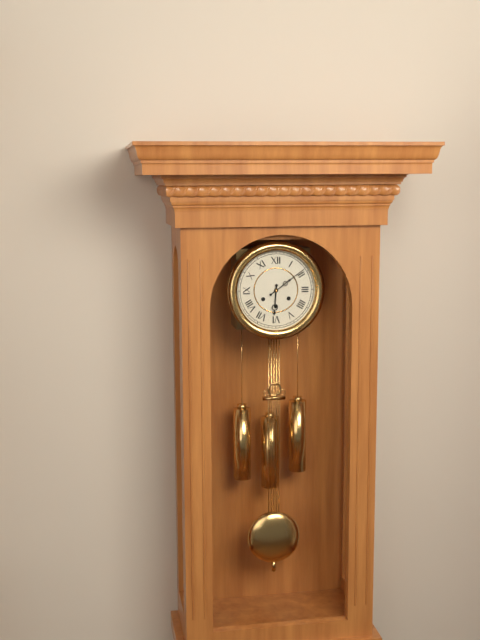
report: 6h09
